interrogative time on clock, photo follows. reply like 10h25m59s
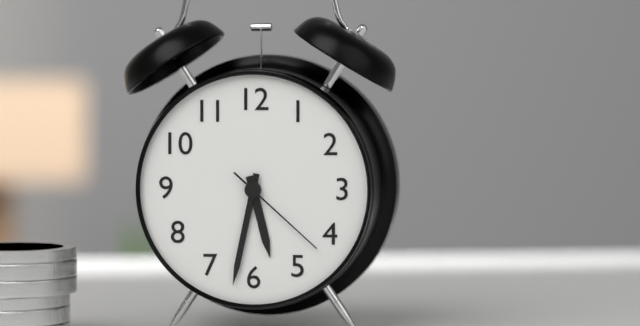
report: 5h32m22s
